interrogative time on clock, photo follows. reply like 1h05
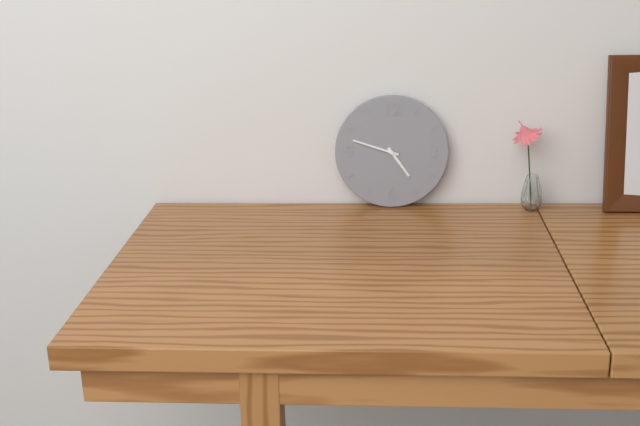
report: 4h48
